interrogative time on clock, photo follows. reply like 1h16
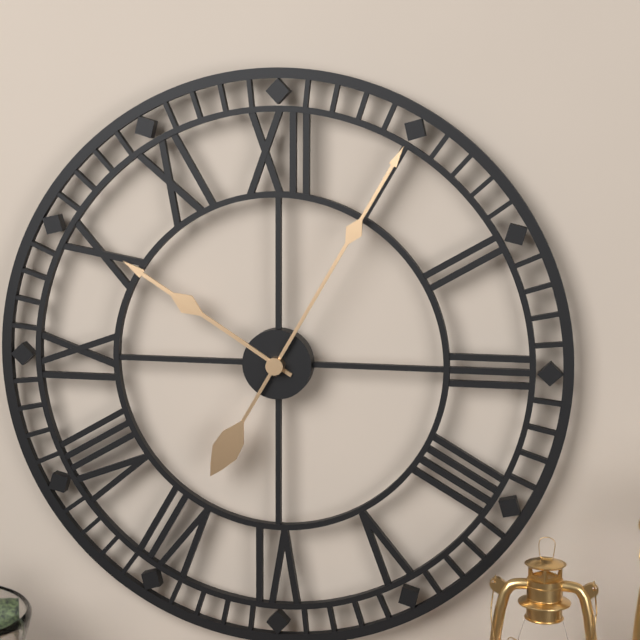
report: 10h05
